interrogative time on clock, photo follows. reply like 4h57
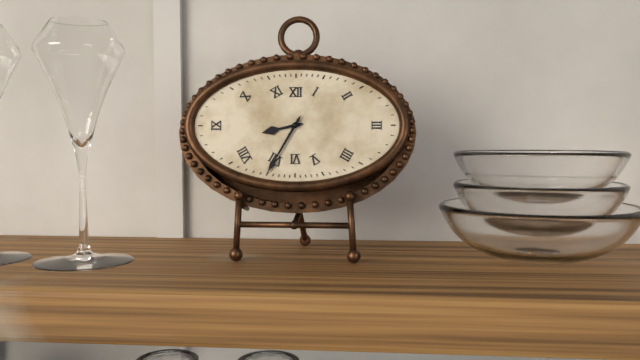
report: 8h35
